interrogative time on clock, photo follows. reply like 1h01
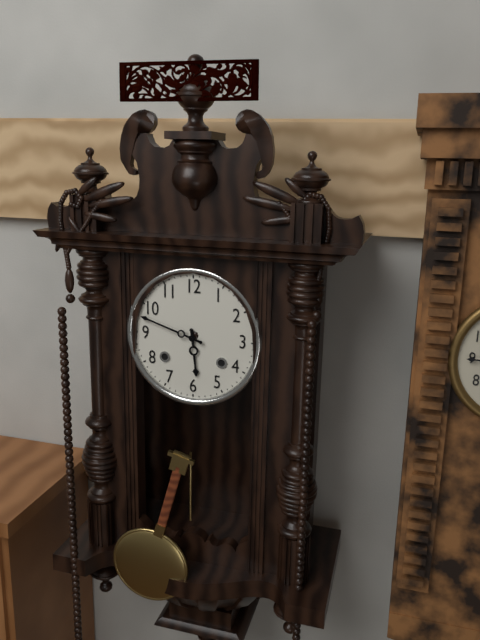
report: 5h48
